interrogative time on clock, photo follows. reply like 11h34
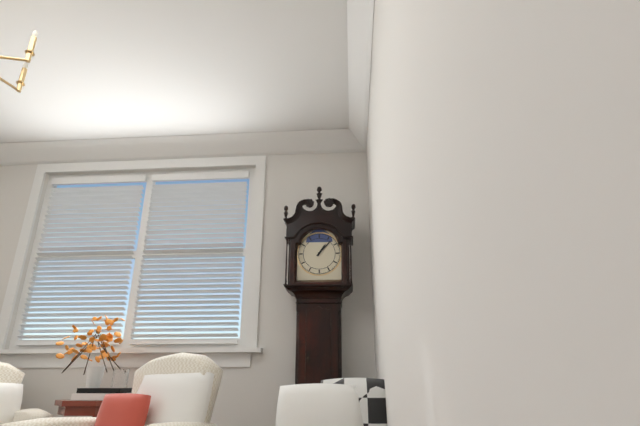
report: 1h07
